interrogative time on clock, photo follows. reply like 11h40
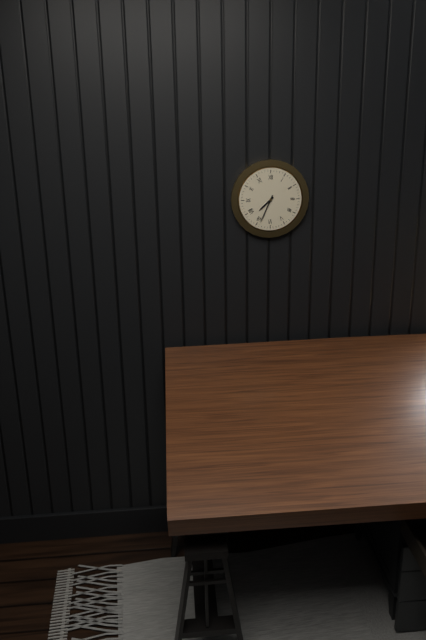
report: 7h34
